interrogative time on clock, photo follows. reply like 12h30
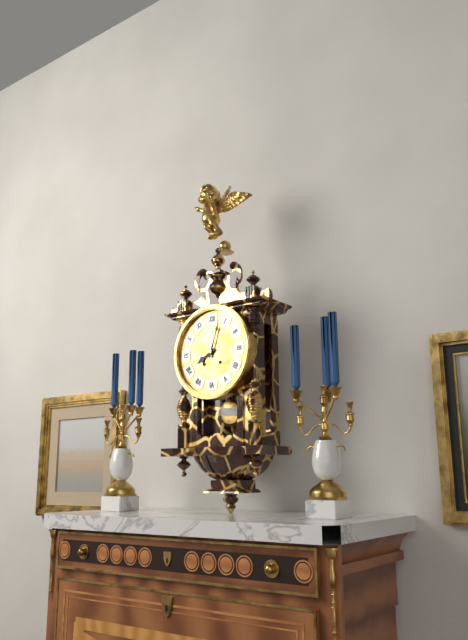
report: 8h03
